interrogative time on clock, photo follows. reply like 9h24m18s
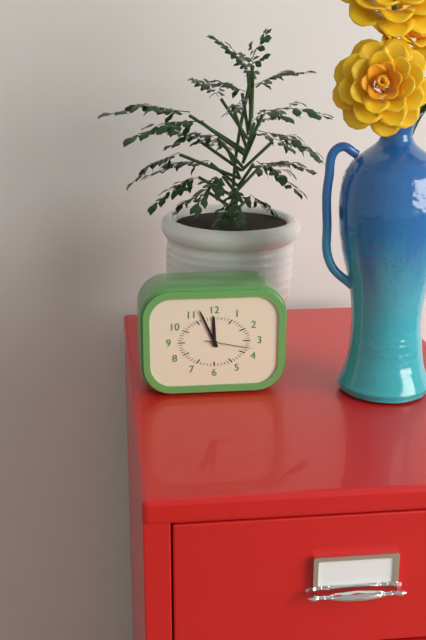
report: 11h56m17s
